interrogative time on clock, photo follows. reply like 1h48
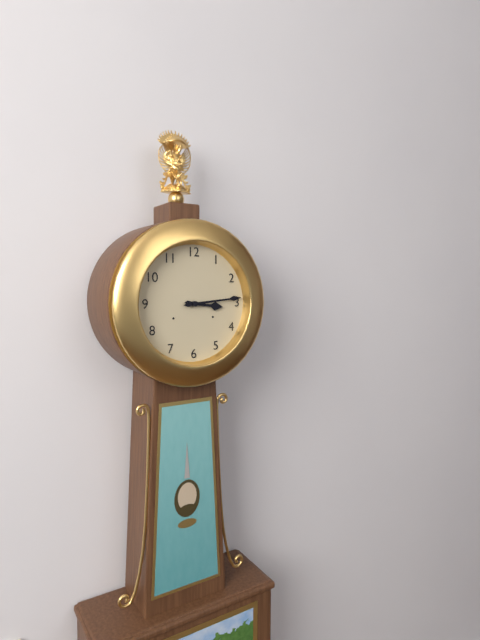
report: 3h14
